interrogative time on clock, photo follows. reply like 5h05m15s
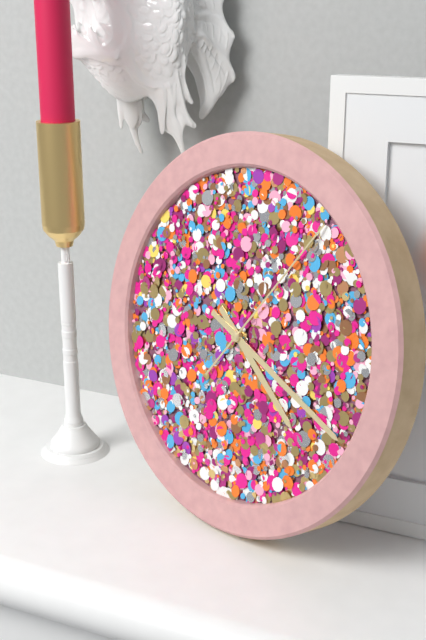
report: 4h19m06s
